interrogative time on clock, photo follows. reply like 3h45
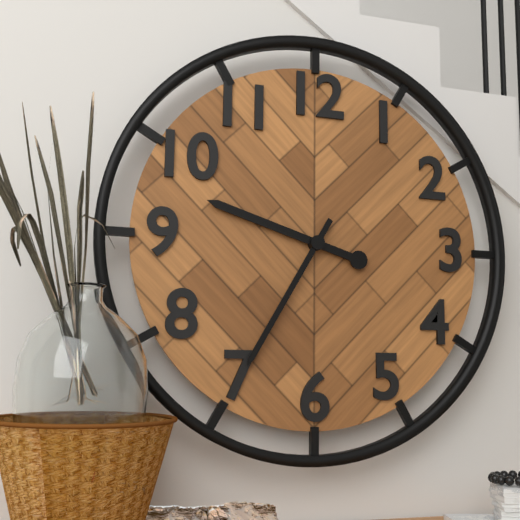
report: 9h35
